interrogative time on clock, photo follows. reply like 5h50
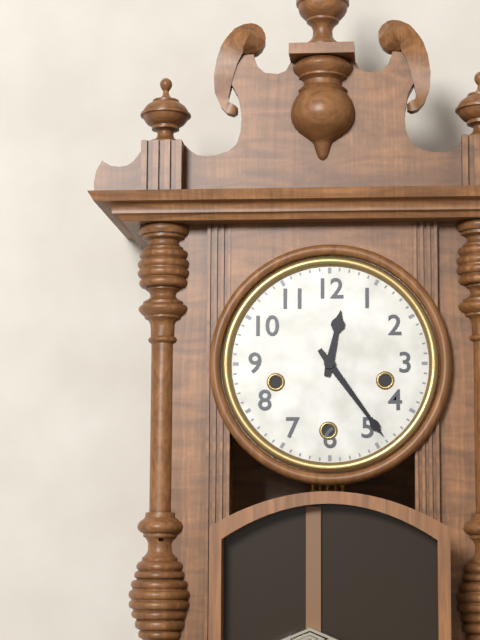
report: 12h24
